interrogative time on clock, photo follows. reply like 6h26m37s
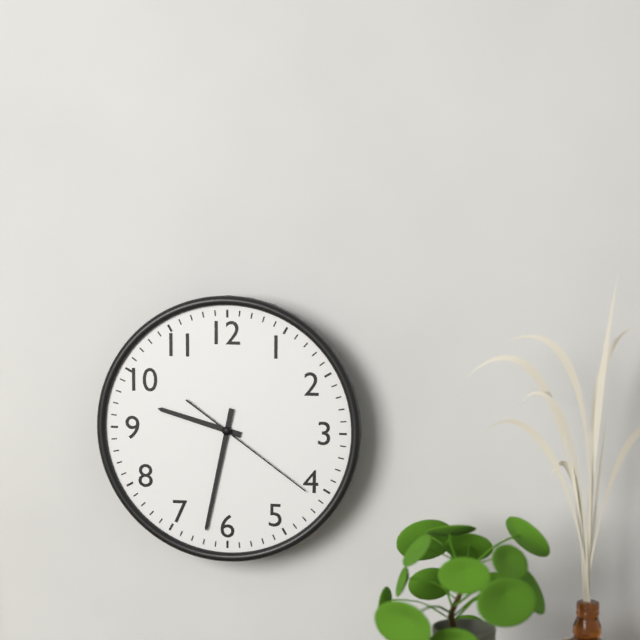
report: 9h32m21s
